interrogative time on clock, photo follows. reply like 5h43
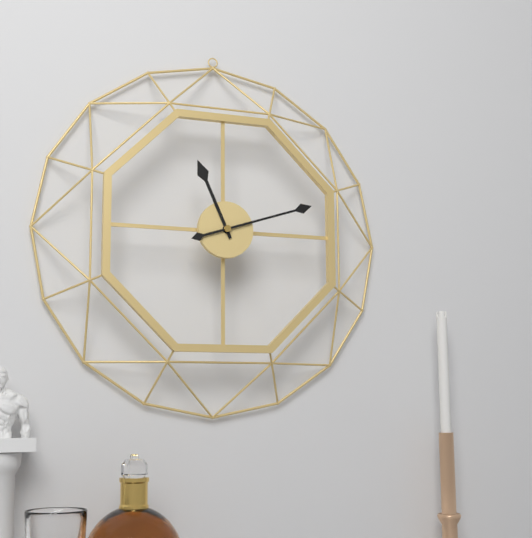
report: 11h12
